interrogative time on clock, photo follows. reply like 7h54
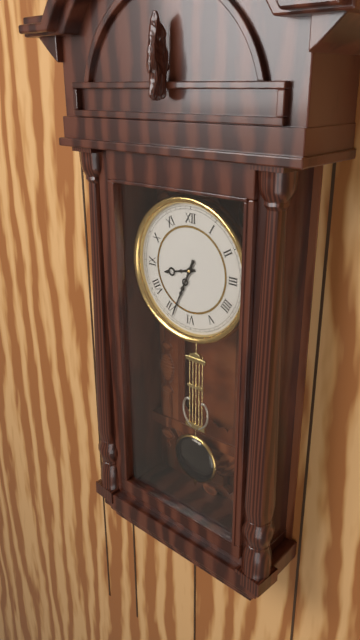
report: 8h34
